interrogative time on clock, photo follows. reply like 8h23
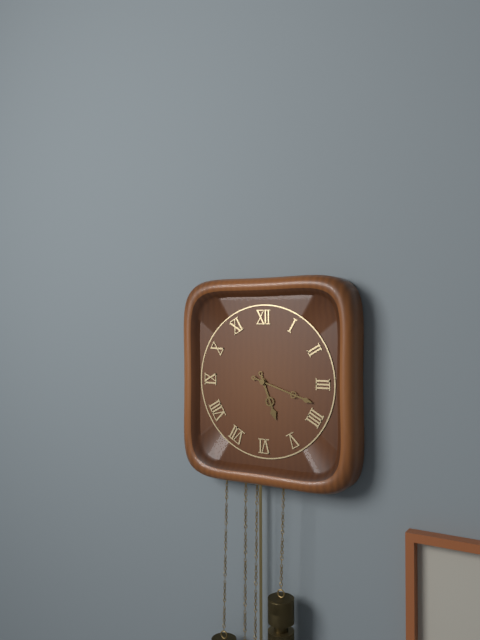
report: 5h18
